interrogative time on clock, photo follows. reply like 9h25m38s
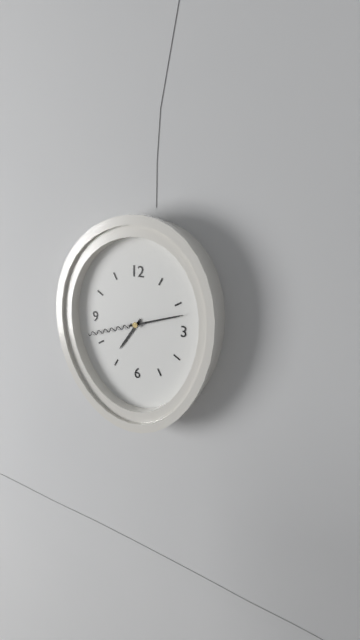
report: 7h12m42s
